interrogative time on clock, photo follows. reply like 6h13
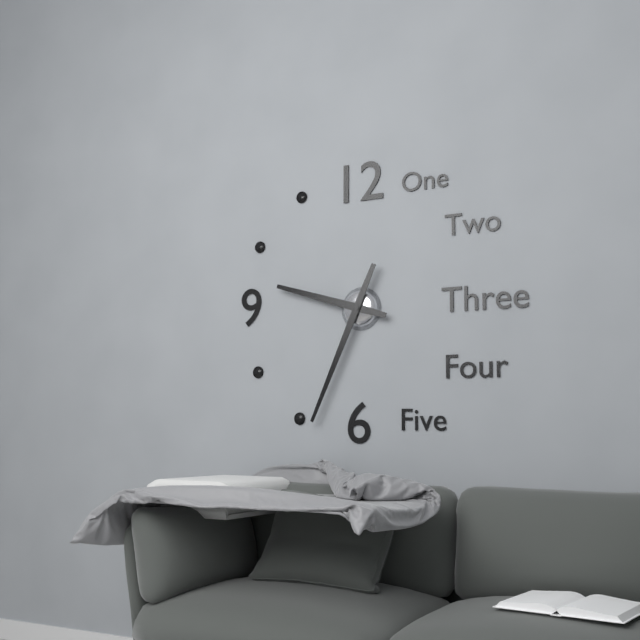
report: 9h34
